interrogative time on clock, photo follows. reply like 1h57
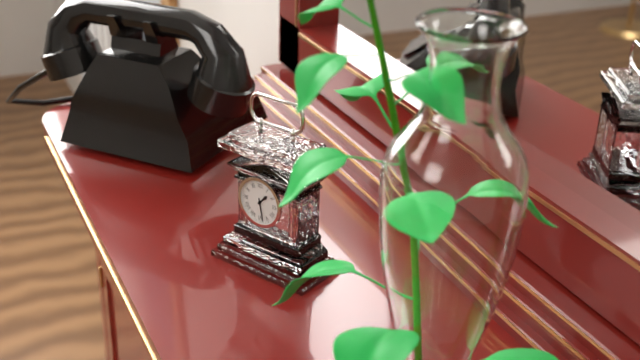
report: 1h28
